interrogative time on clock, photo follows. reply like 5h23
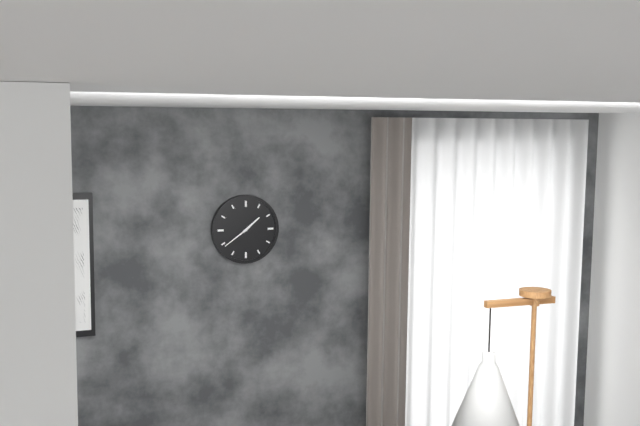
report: 1h39
